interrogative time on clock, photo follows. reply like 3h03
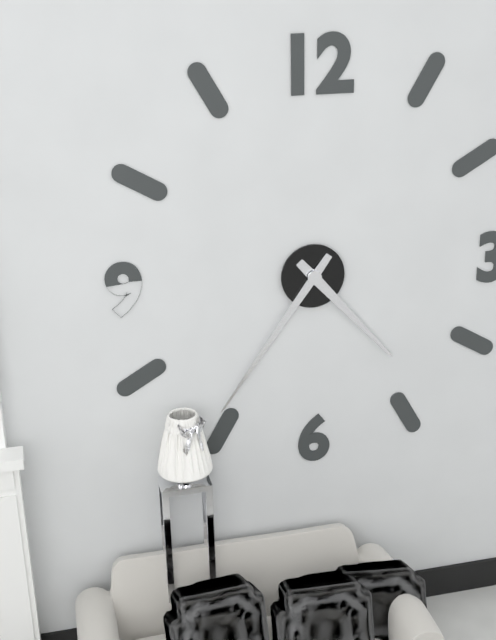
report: 4h36
